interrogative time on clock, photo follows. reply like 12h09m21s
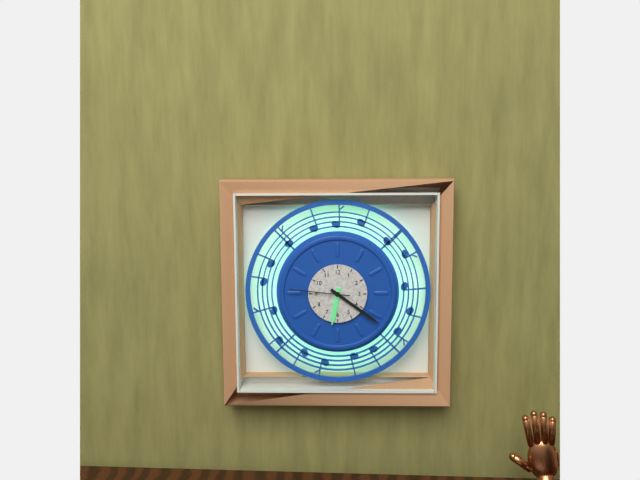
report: 6h21m46s
